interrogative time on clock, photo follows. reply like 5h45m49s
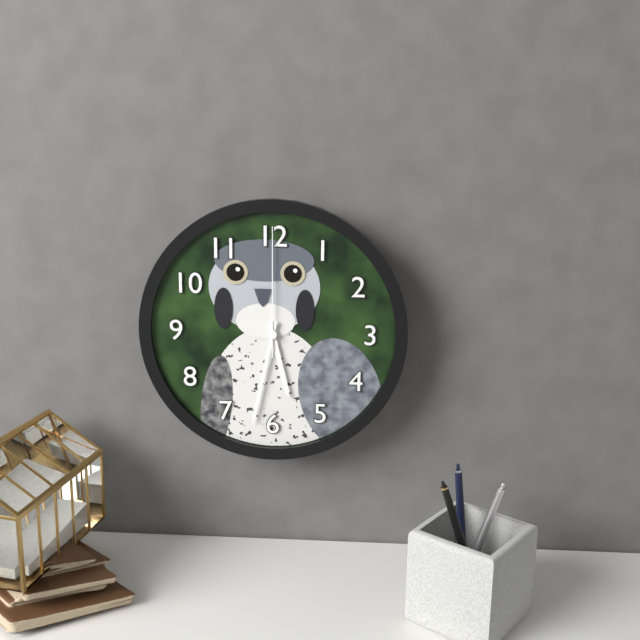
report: 5h32m00s
